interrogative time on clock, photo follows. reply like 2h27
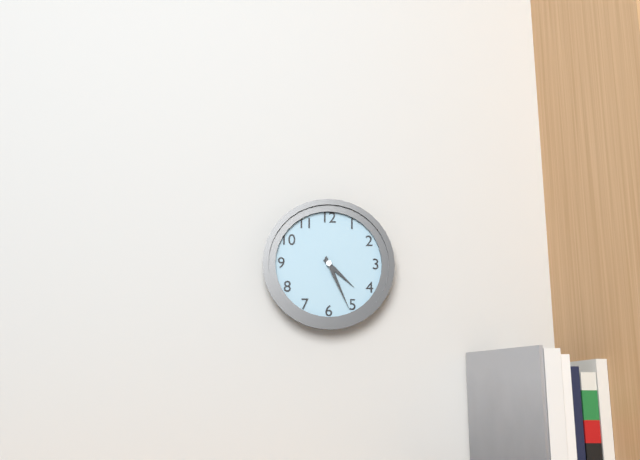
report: 4h26
